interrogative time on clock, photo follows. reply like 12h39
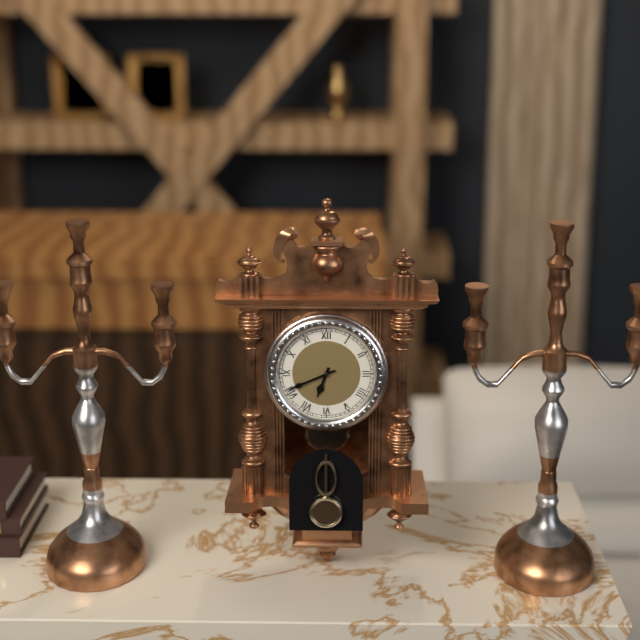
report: 6h41
